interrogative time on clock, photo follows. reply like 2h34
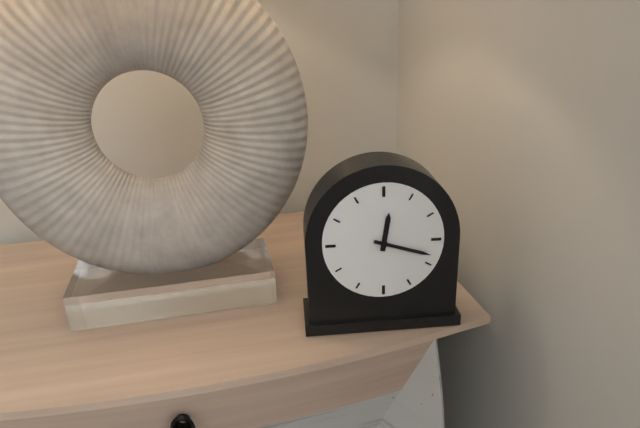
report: 12h18
